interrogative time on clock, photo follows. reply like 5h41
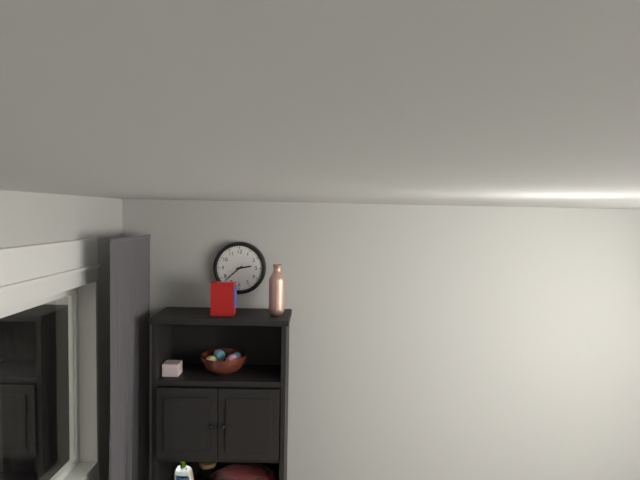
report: 2h38
